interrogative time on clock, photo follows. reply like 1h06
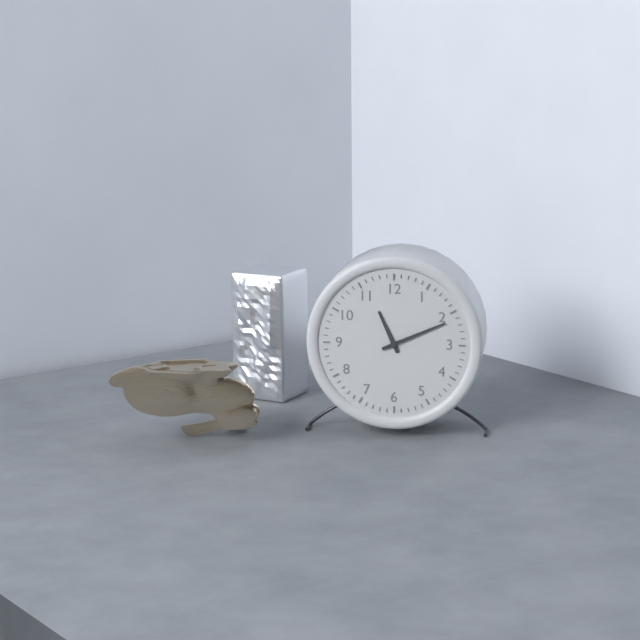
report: 11h11
